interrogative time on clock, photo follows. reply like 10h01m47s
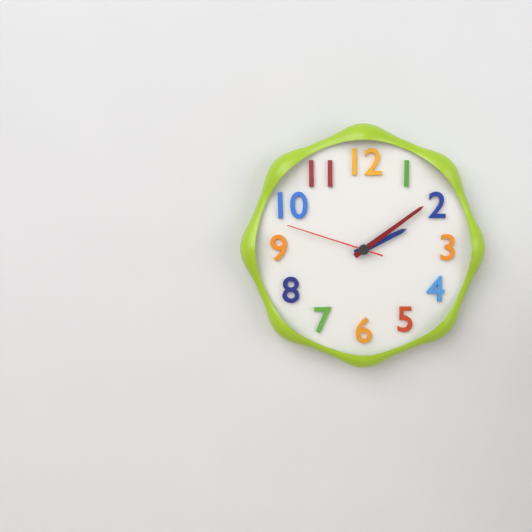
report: 2h09m48s
